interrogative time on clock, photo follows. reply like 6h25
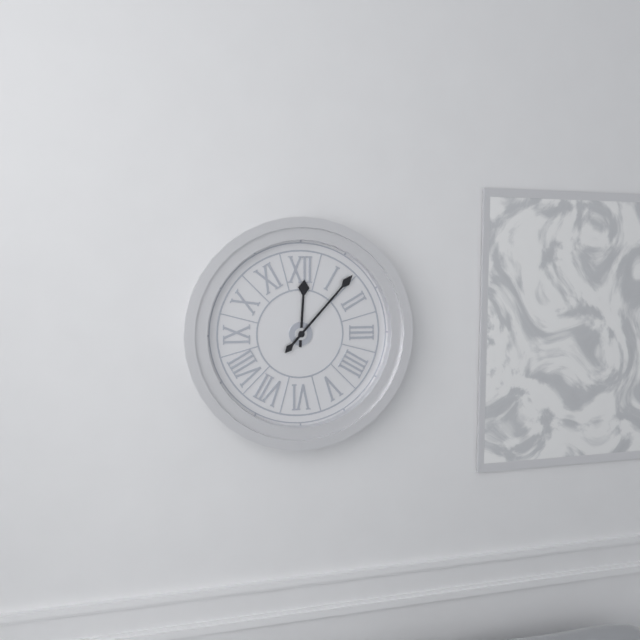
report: 12h07
